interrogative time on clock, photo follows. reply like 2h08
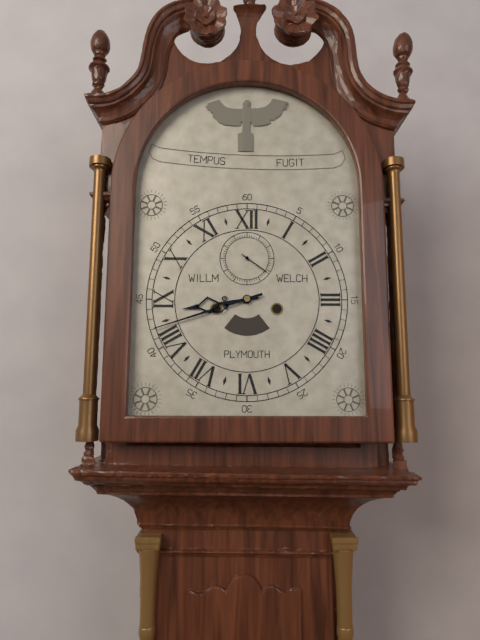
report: 8h42
